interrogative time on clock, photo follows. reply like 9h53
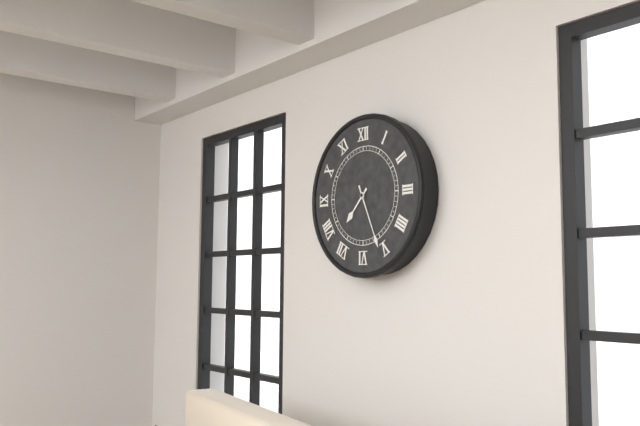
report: 7h26
